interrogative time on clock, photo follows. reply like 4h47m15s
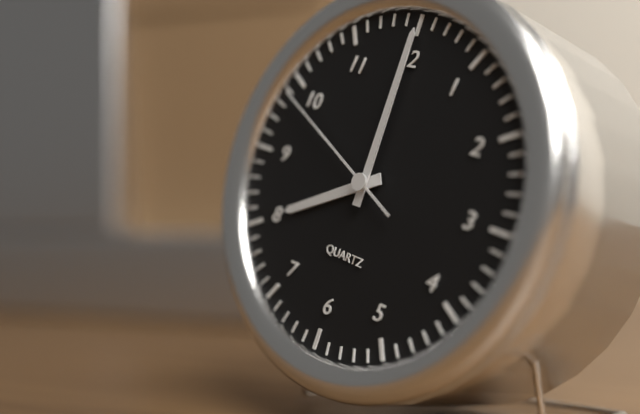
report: 8h00m49s
